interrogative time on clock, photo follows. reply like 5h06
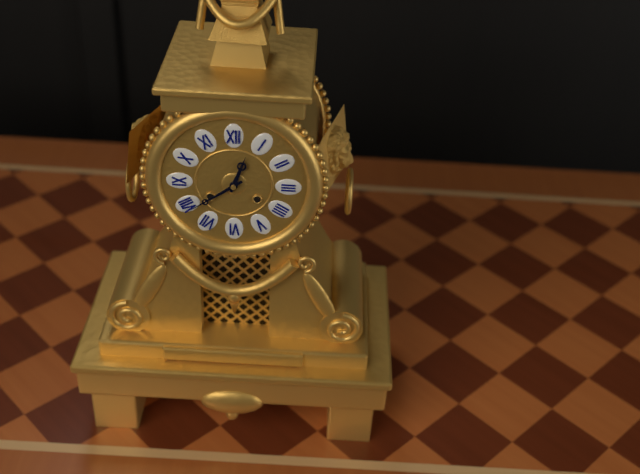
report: 12h39
